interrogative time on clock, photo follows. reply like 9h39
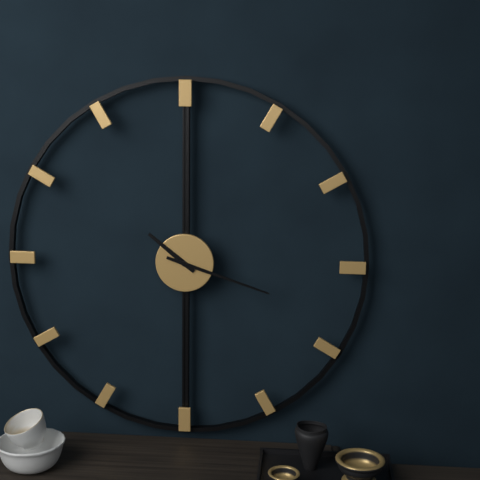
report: 10h18
